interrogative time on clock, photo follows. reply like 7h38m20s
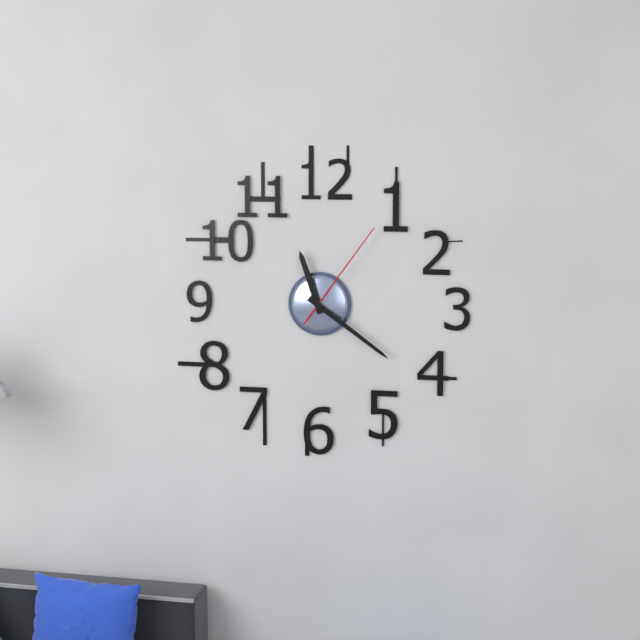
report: 11h21m06s
